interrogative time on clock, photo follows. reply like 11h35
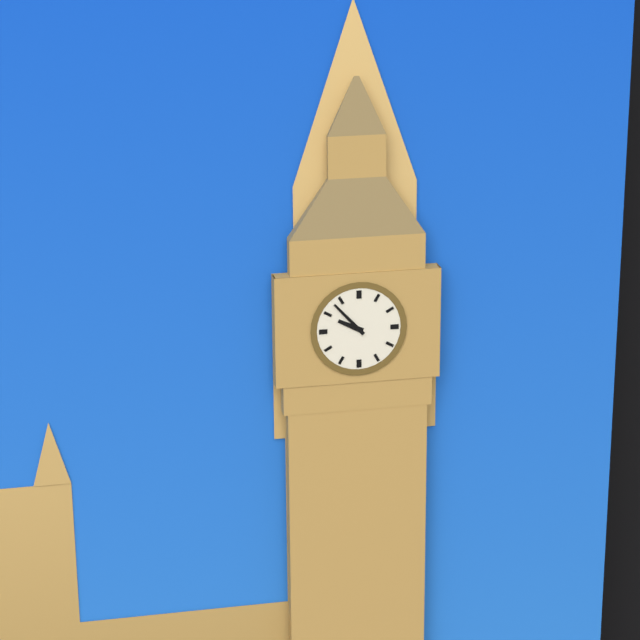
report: 9h53
